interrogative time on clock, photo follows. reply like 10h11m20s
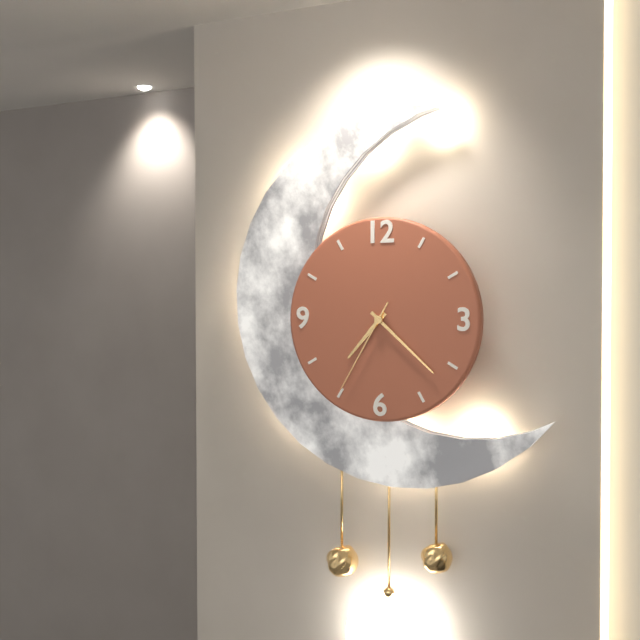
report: 7h22m35s
